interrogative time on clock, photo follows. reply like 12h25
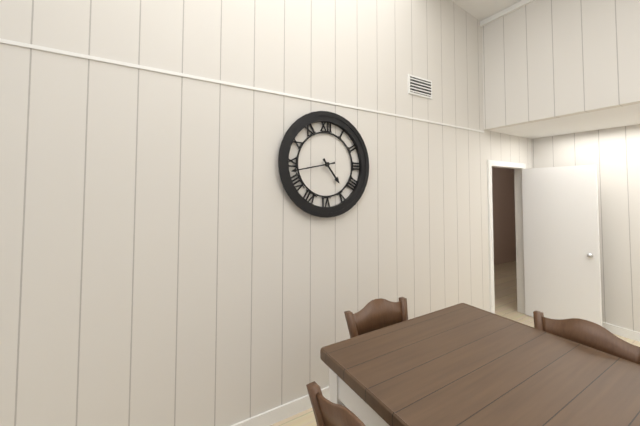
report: 4h43
